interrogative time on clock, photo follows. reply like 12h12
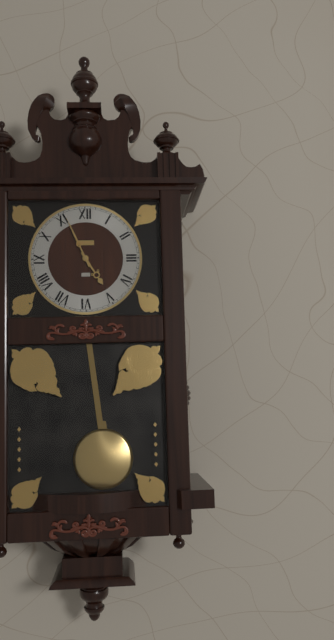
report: 4h56
